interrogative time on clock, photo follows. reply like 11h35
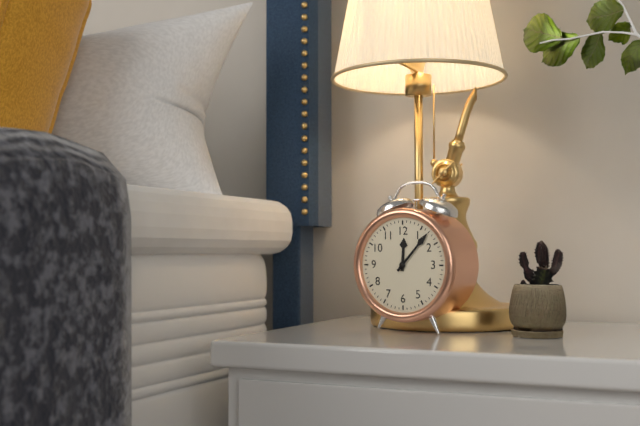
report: 12h07
